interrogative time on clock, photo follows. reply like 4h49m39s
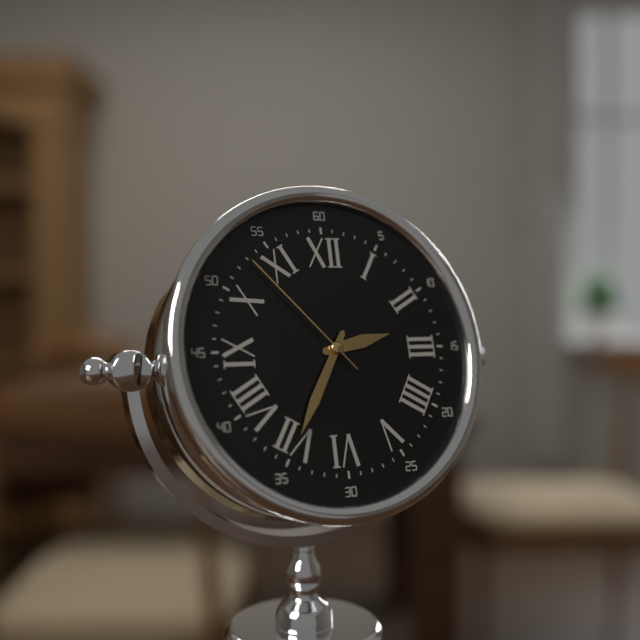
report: 2h35m53s
